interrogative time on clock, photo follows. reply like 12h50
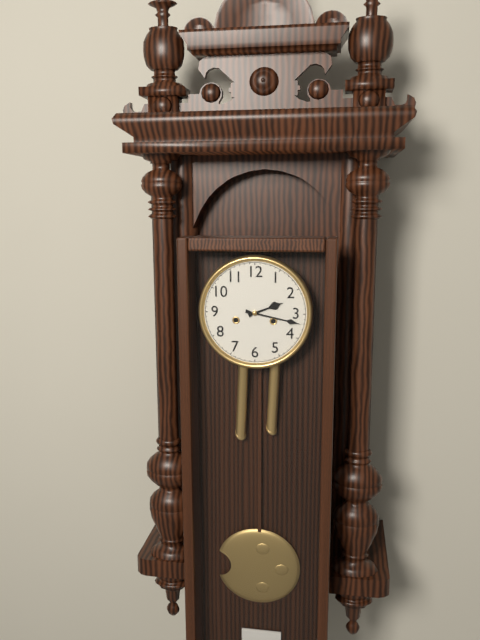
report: 2h17
